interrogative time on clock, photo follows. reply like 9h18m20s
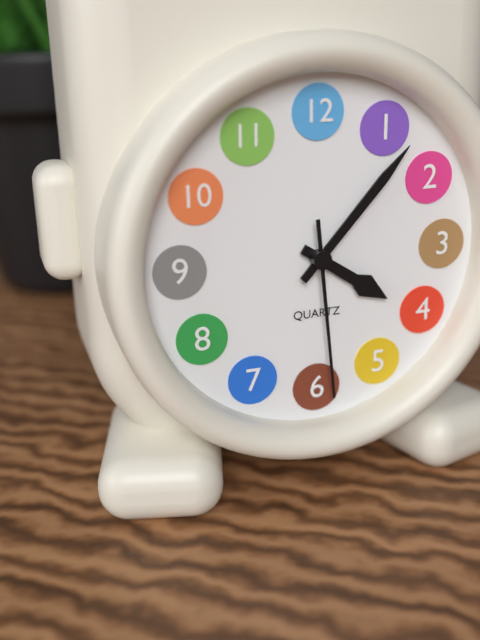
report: 4h07m29s
